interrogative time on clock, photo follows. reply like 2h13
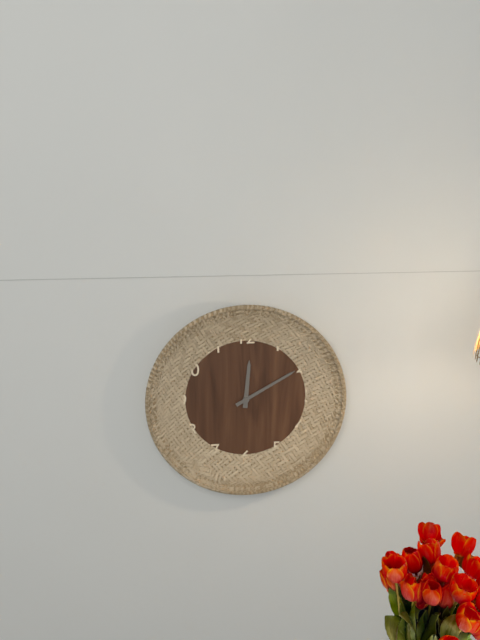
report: 12h10
